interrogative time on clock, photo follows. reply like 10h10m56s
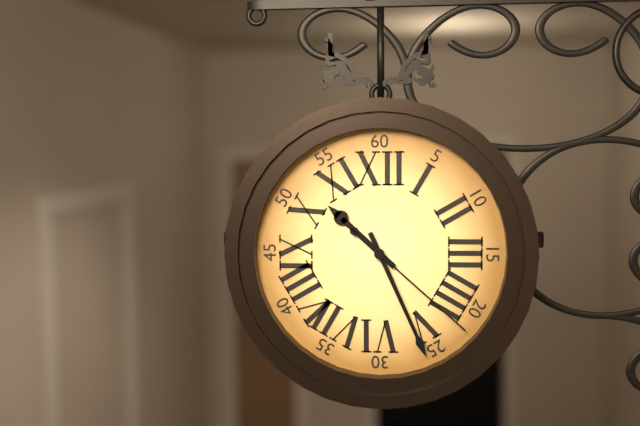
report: 10h26m22s
